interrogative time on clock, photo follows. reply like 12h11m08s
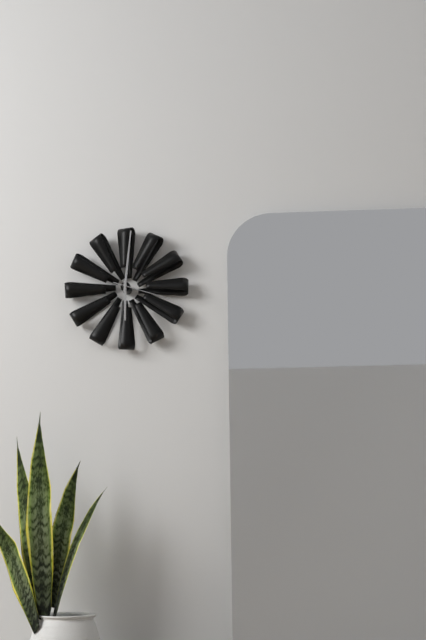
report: 6h01m18s
